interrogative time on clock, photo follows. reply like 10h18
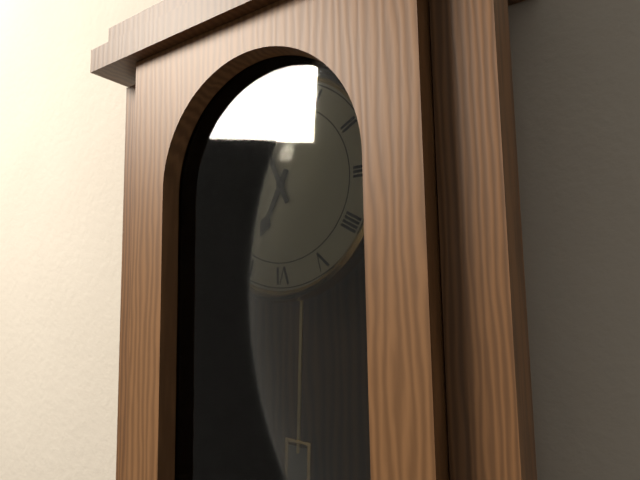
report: 6h56
